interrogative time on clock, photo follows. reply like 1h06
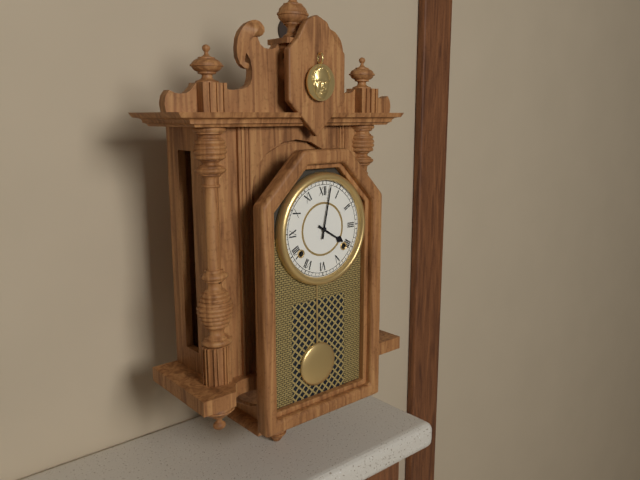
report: 4h02
